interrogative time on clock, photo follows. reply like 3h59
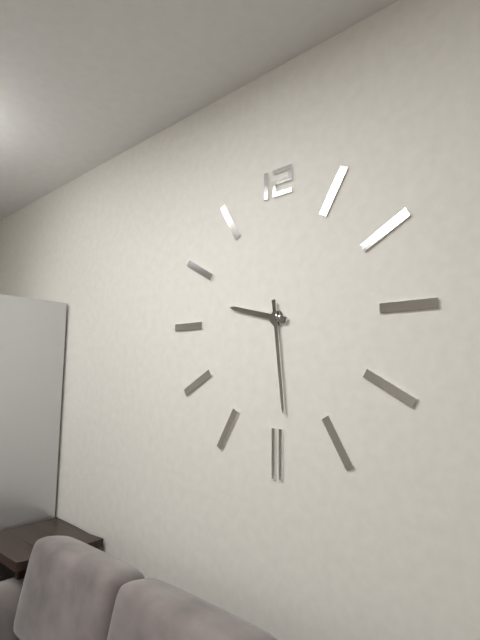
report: 9h29
